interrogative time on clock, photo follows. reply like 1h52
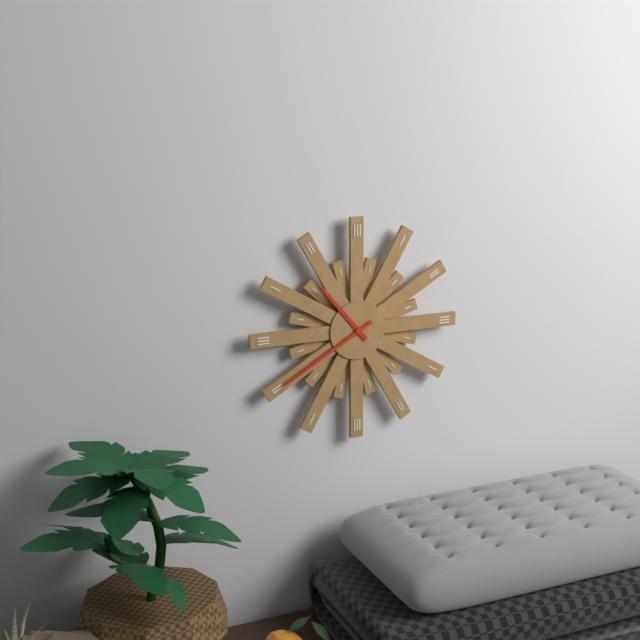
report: 10h40
